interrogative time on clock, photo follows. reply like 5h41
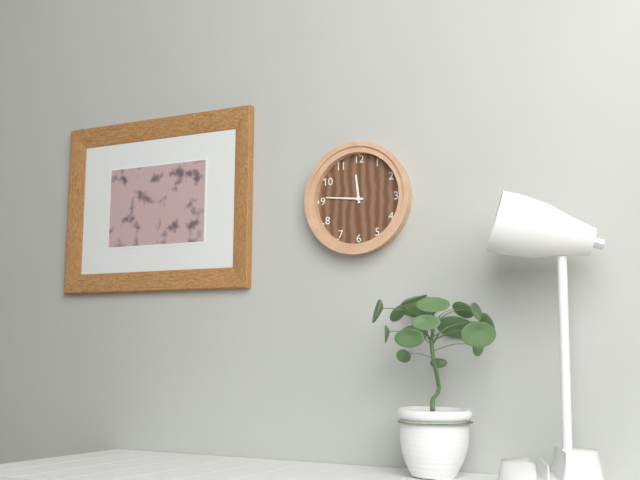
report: 11h46
